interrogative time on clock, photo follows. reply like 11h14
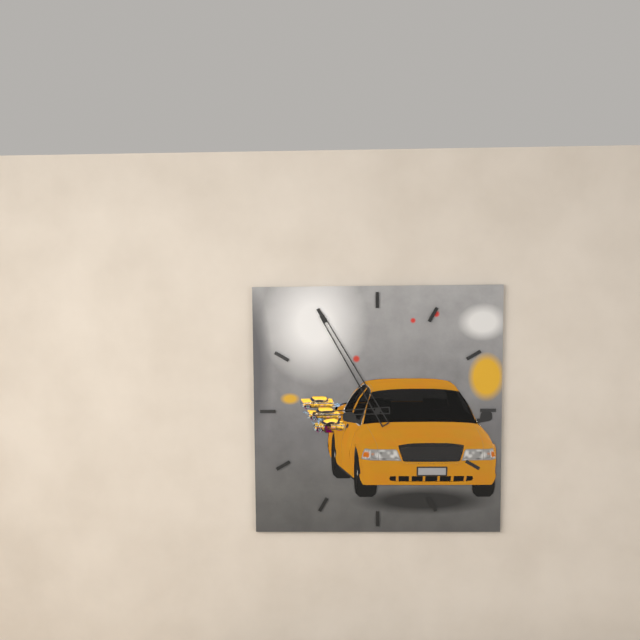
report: 8h55
